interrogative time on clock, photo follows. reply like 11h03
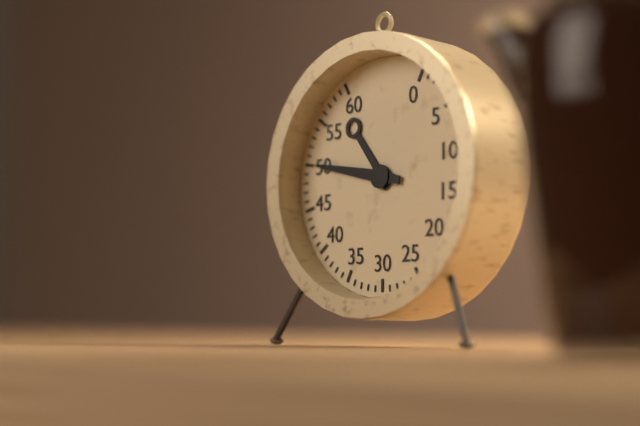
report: 10h47
